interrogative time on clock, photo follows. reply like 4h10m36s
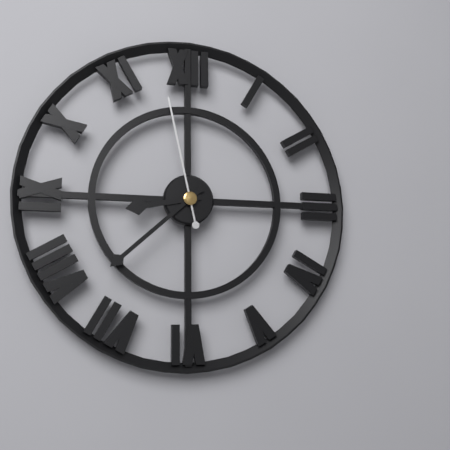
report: 8h38m58s
